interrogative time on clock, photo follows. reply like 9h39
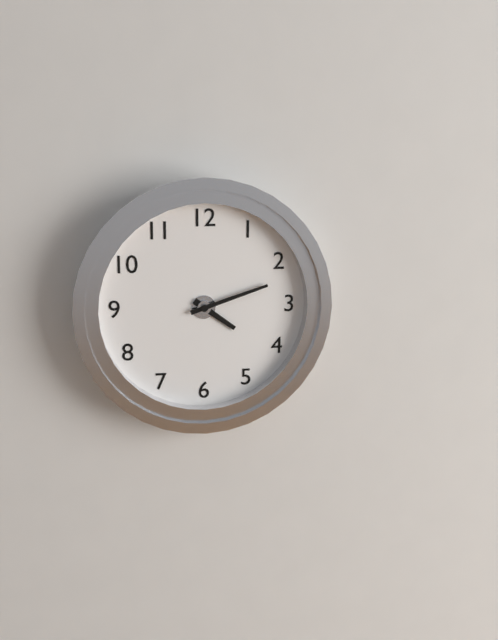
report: 4h12
